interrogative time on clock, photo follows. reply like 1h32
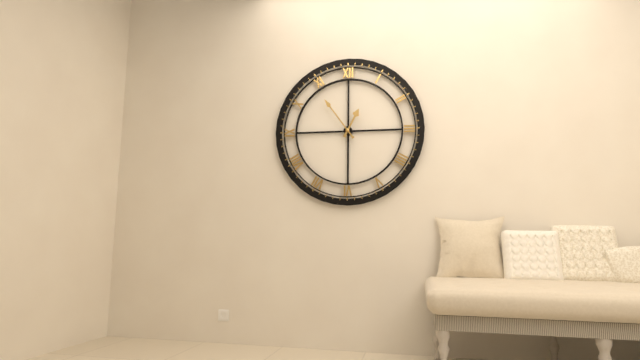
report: 12h54
